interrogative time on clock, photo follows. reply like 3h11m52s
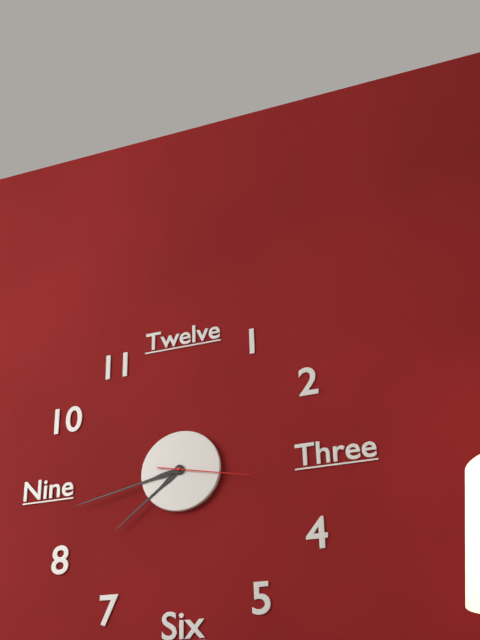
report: 7h43m17s
